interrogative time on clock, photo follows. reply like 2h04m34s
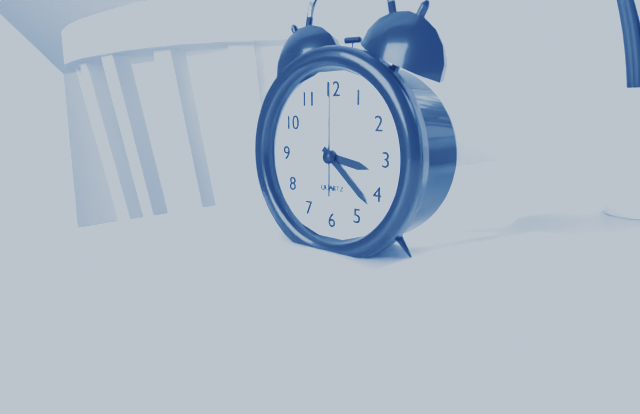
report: 3h22m00s
